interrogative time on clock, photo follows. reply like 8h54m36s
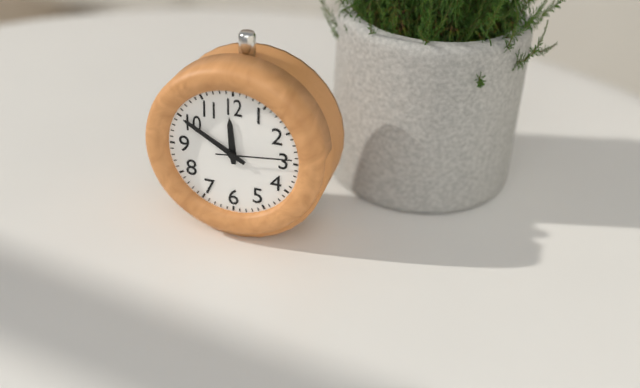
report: 11h50m14s
